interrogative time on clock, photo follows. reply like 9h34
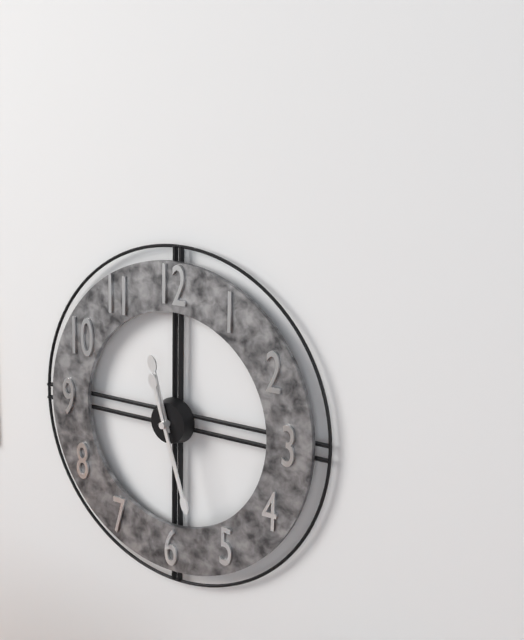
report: 11h27
